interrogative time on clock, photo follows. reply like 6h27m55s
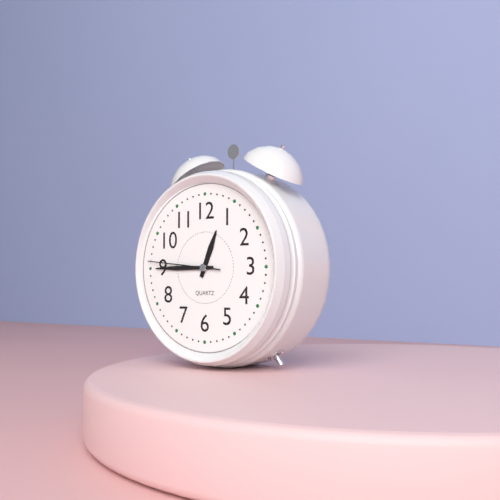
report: 12h45m46s
